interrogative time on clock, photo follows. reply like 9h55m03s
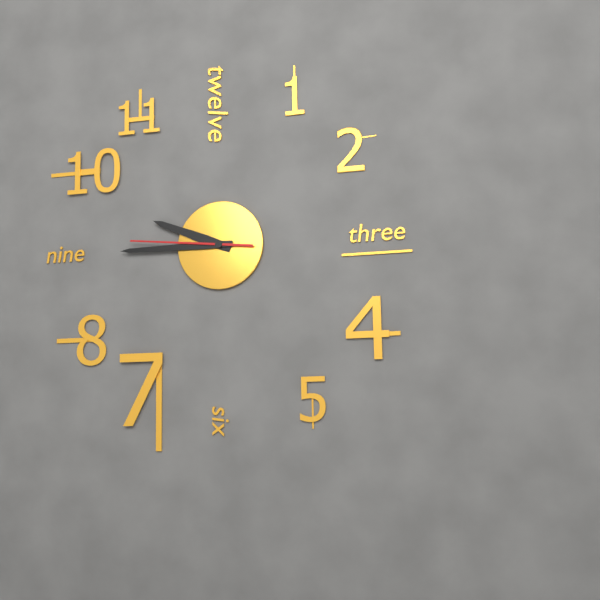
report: 9h45m46s
